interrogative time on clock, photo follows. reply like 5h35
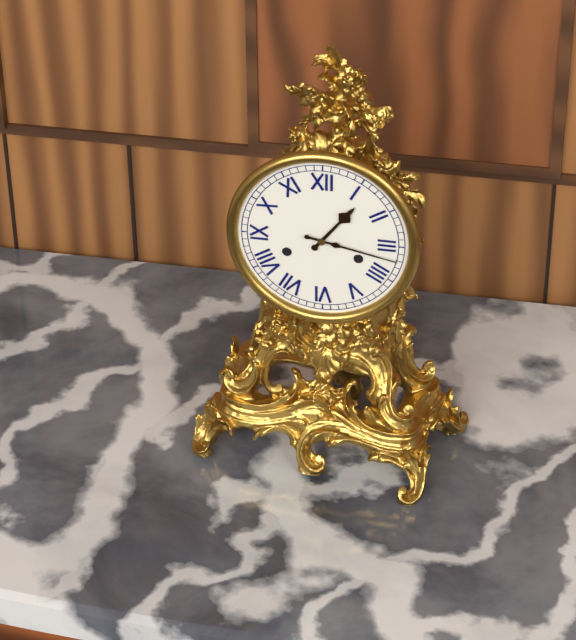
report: 1h17
